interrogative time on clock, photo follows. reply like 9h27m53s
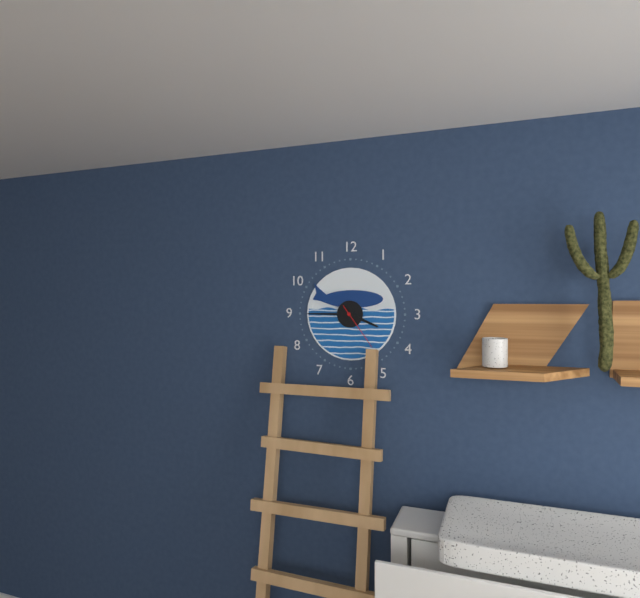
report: 3h45m24s
